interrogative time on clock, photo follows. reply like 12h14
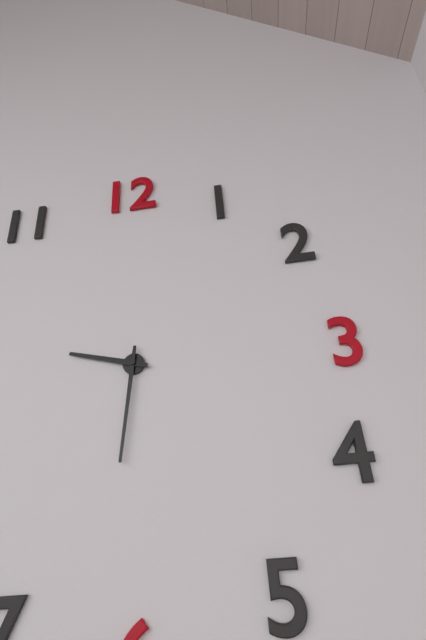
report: 9h31
